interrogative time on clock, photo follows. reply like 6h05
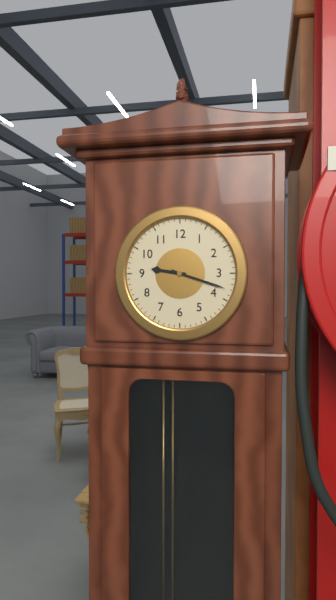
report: 9h18
